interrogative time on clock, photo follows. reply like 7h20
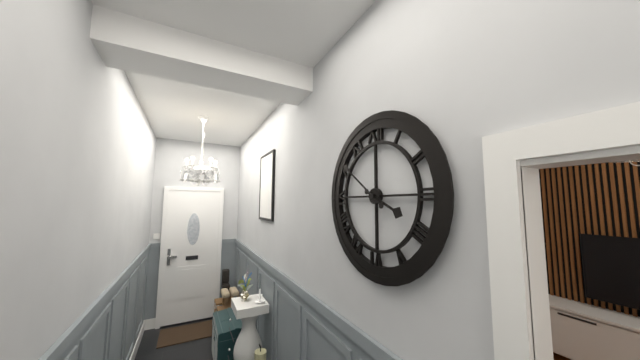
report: 3h51
